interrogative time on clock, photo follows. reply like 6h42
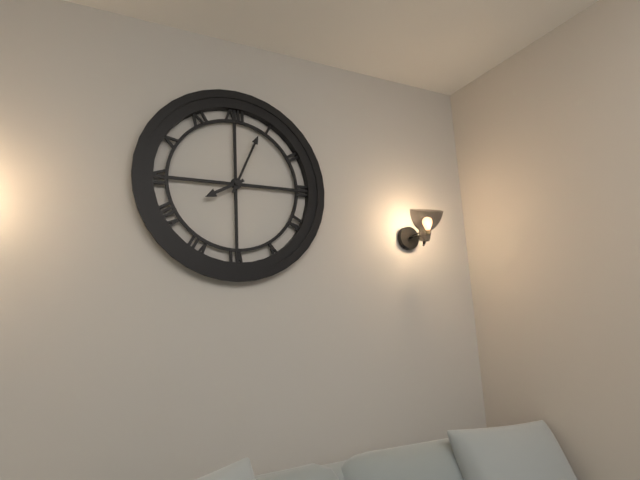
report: 8h04
